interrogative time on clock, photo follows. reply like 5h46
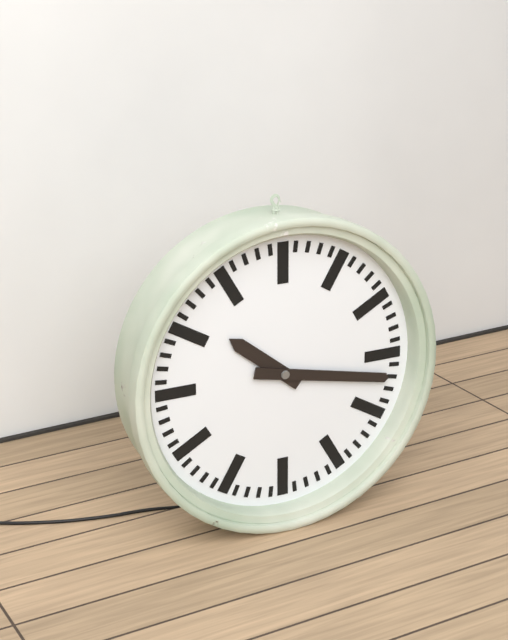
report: 10h17
